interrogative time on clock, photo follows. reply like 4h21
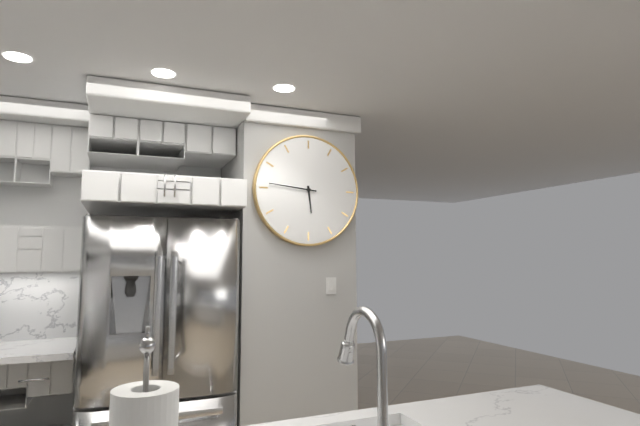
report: 5h46
